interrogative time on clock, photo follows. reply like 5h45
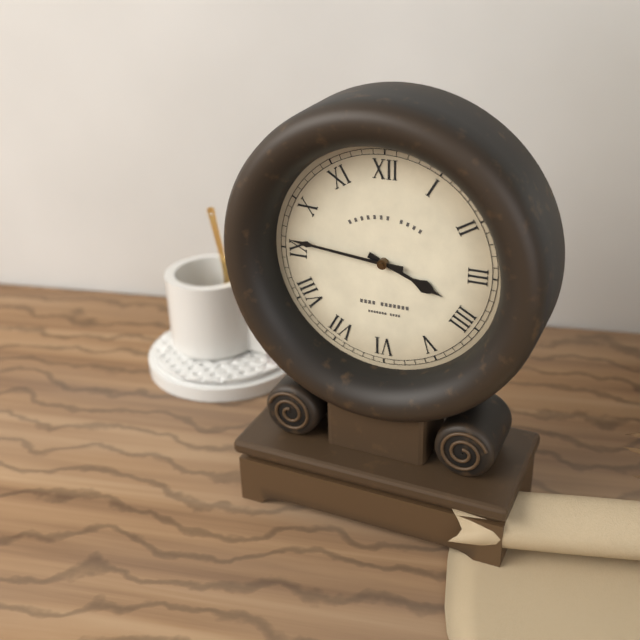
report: 3h46
